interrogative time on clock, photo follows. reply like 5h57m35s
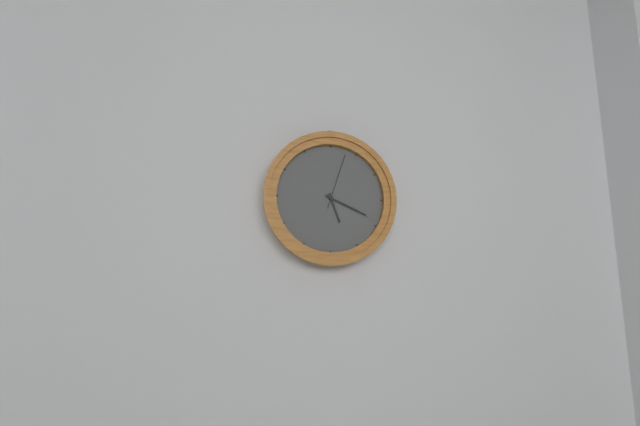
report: 5h19m03s
